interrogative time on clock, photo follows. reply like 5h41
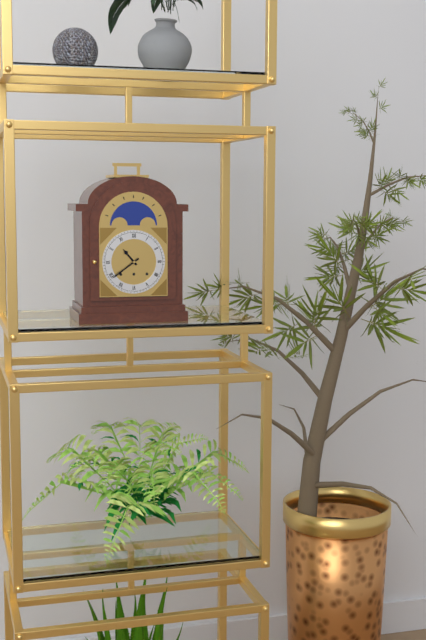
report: 10h39
